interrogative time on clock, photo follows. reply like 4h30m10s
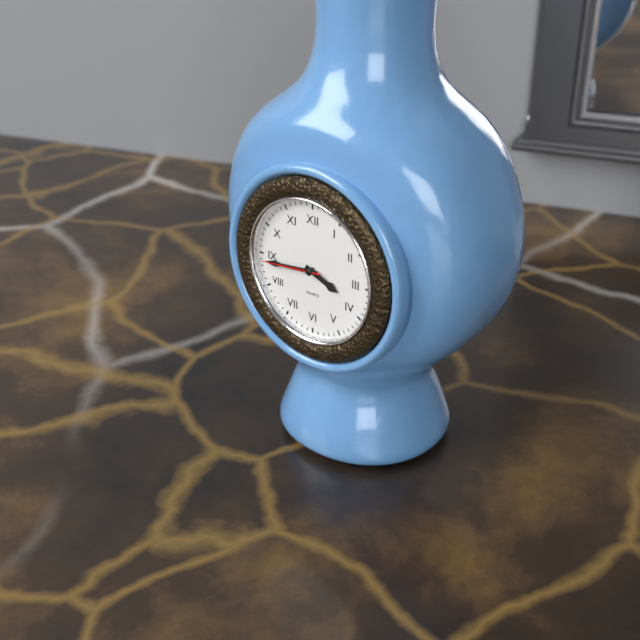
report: 3h44m44s
